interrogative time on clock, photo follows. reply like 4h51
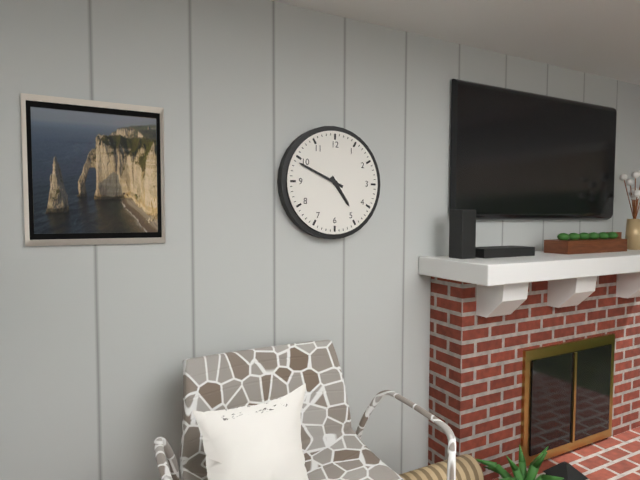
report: 4h49
